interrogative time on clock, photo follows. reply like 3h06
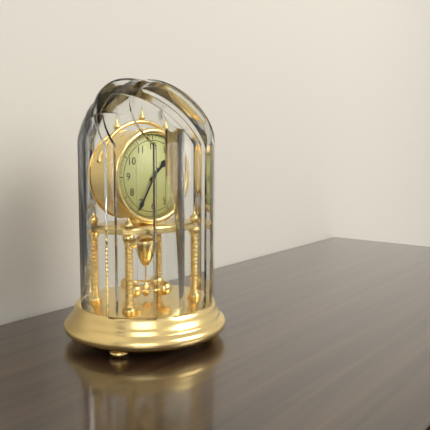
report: 1h35
